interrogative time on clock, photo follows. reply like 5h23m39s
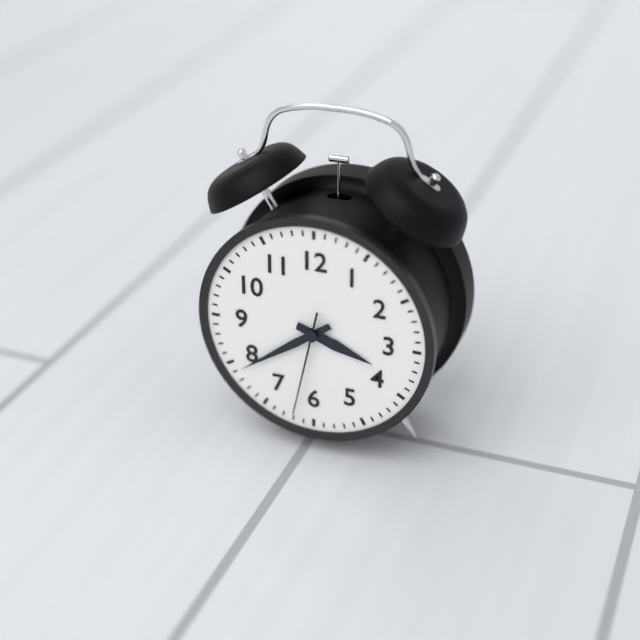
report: 3h39m32s
